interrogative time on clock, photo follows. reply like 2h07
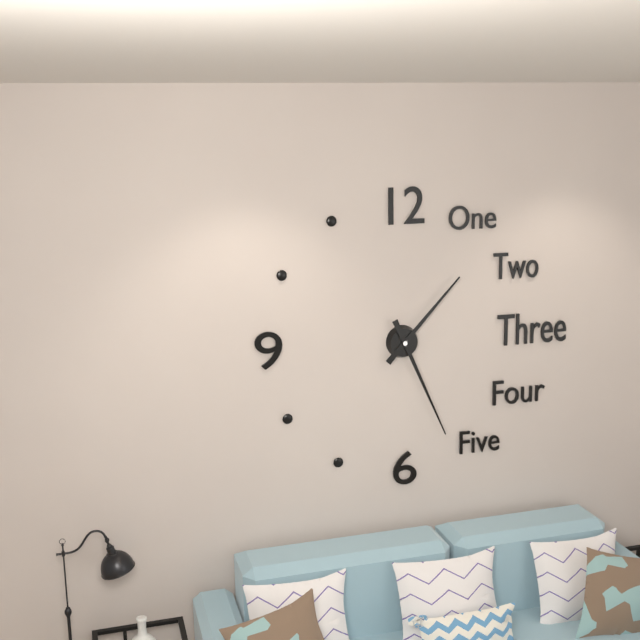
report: 1h26
